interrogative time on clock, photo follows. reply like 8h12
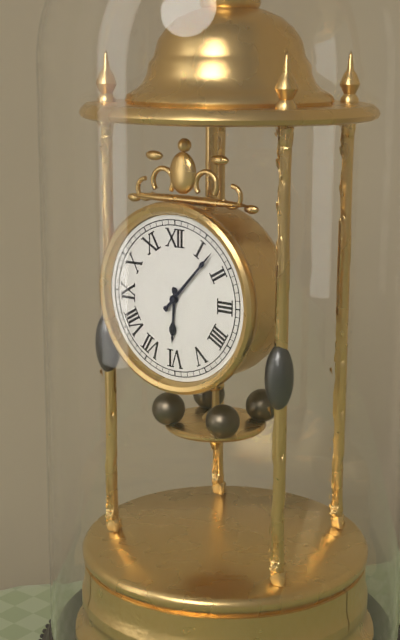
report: 6h07
